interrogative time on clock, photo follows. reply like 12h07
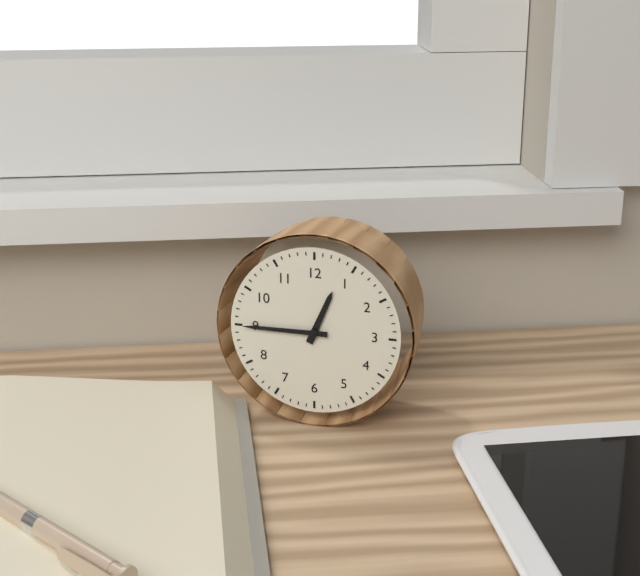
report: 12h45
